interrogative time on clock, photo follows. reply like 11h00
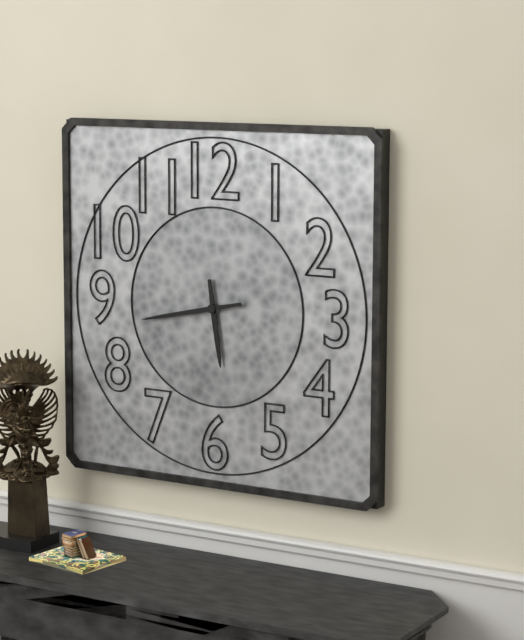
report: 5h43
